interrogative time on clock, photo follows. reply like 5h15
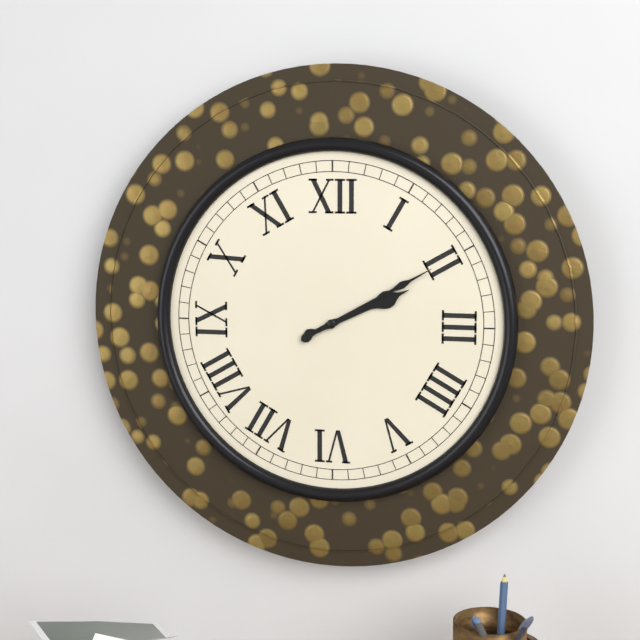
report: 2h10
